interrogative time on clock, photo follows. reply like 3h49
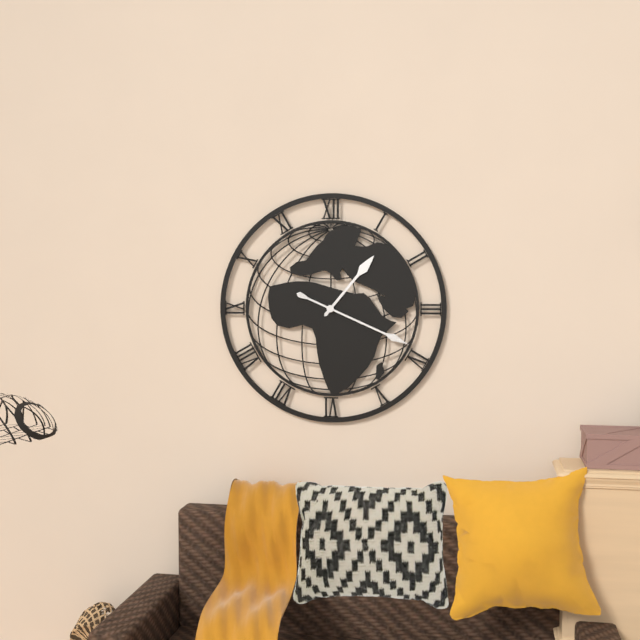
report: 1h19
